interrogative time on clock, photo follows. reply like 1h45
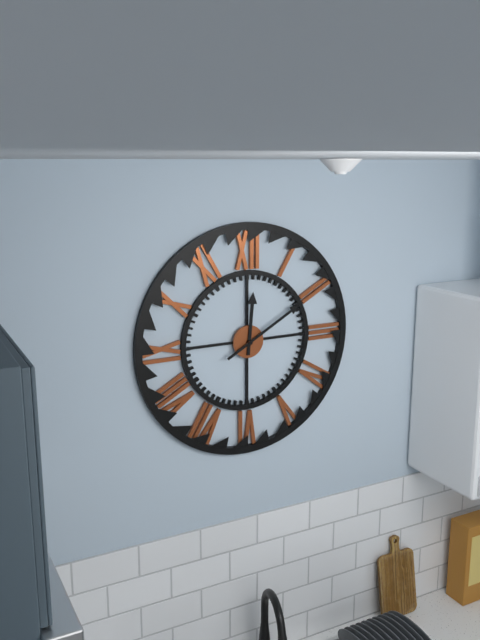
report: 12h10
